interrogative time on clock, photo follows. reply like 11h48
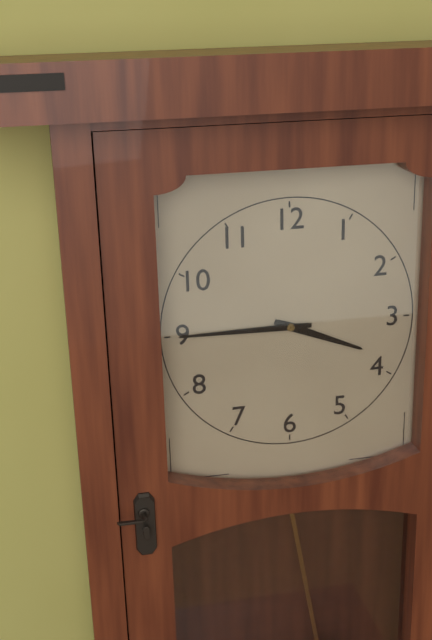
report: 3h45
